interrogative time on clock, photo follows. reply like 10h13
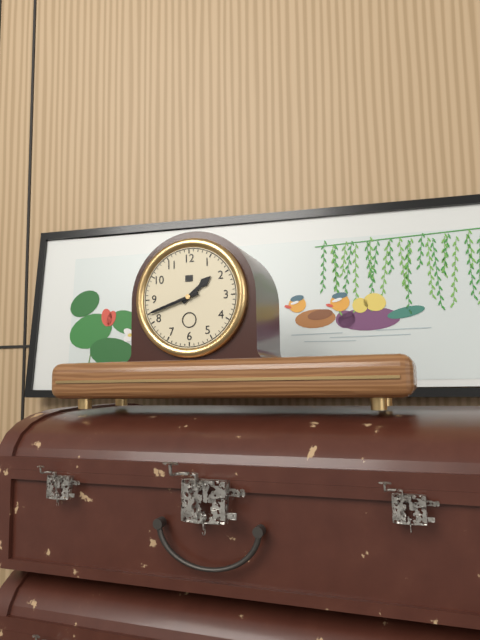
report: 1h42
